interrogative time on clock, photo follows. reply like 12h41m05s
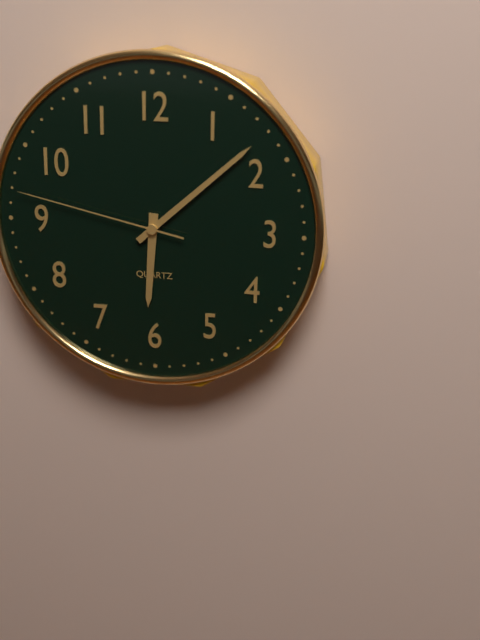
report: 6h08m47s
